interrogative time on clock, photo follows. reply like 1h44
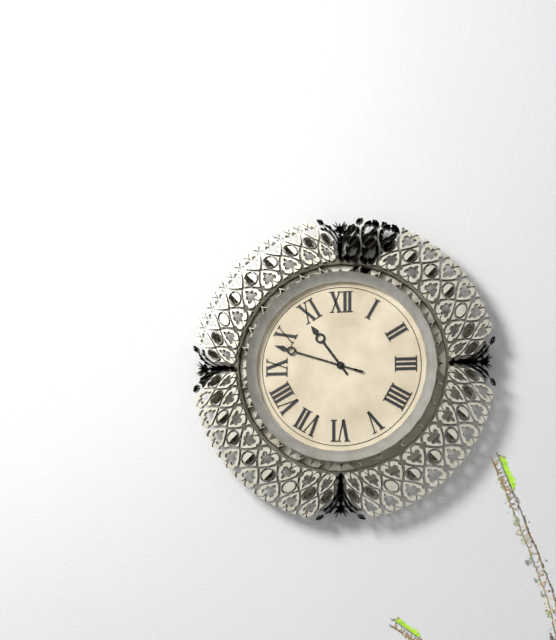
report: 10h48
